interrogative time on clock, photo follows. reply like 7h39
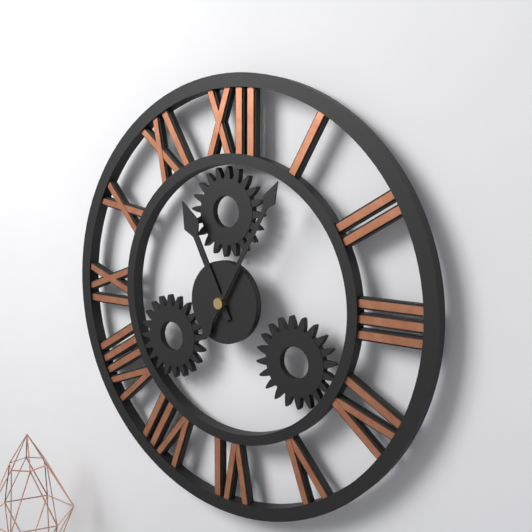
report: 11h05
